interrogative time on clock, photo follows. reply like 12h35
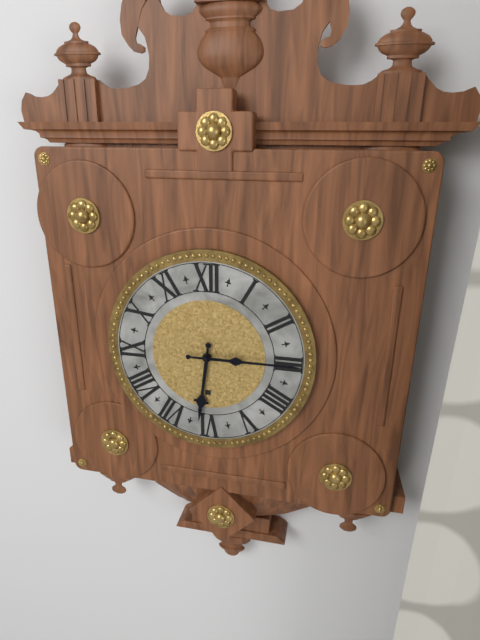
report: 6h15
